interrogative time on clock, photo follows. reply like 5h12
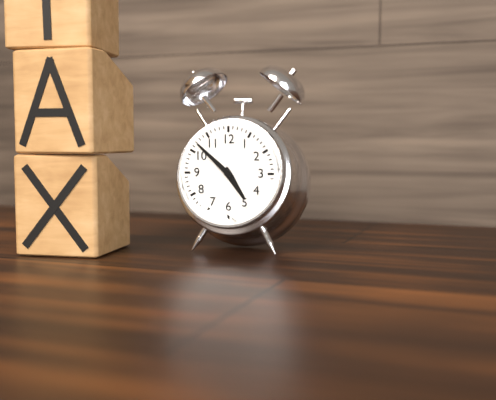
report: 4h52
